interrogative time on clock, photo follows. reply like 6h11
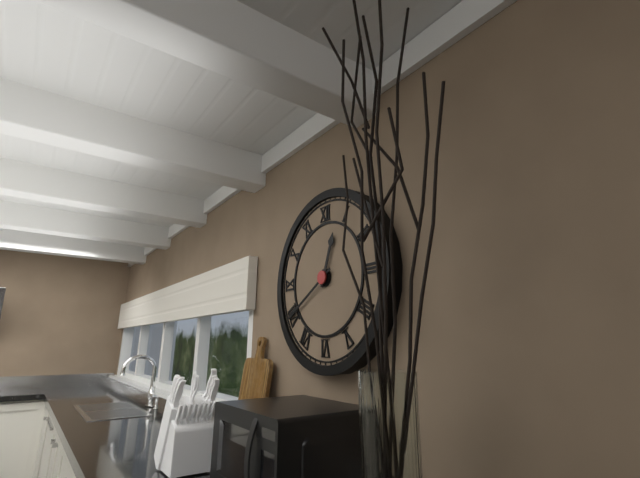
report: 12h40
